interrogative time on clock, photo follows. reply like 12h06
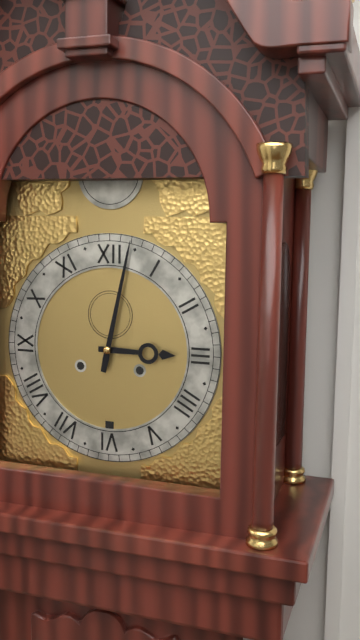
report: 3h02
